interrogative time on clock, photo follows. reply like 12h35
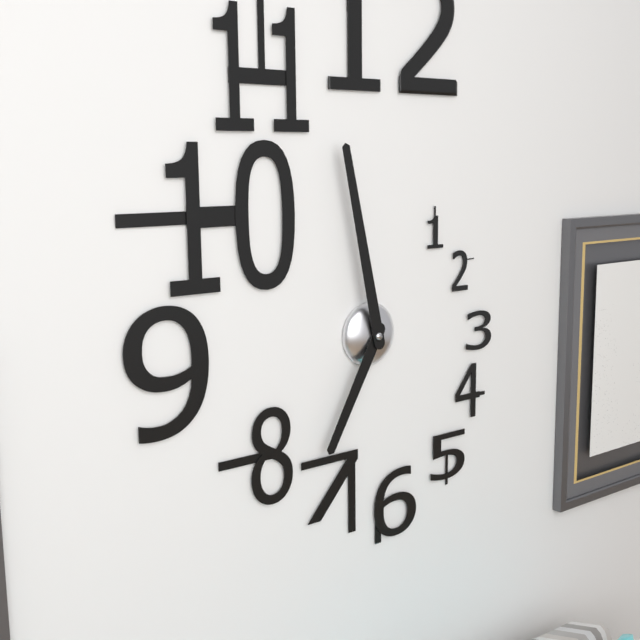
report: 6h58
